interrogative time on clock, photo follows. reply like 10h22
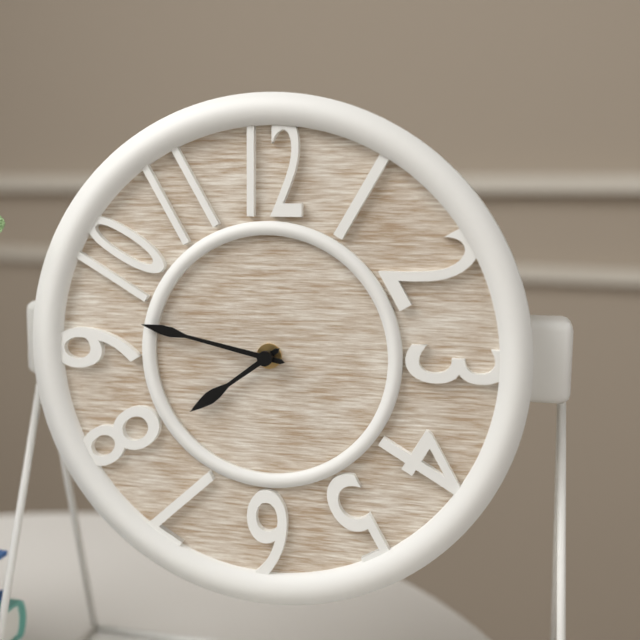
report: 7h47
